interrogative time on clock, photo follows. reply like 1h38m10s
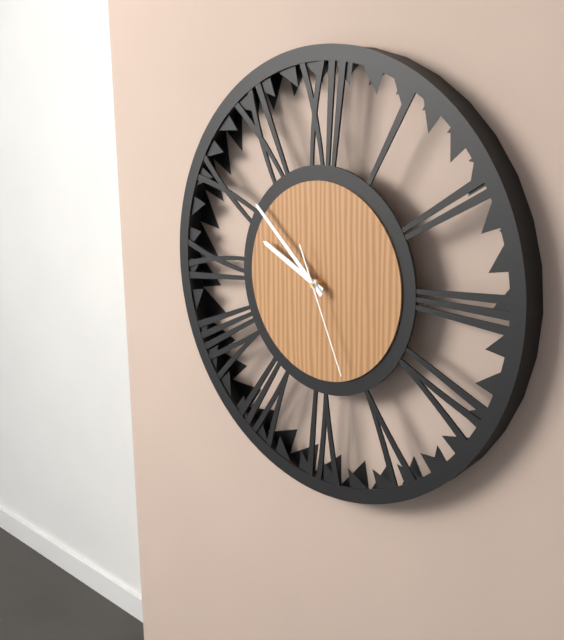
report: 9h52m26s
